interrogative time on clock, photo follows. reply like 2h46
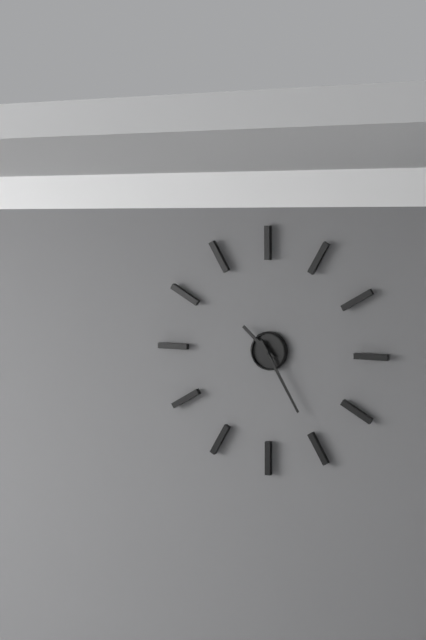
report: 10h25
